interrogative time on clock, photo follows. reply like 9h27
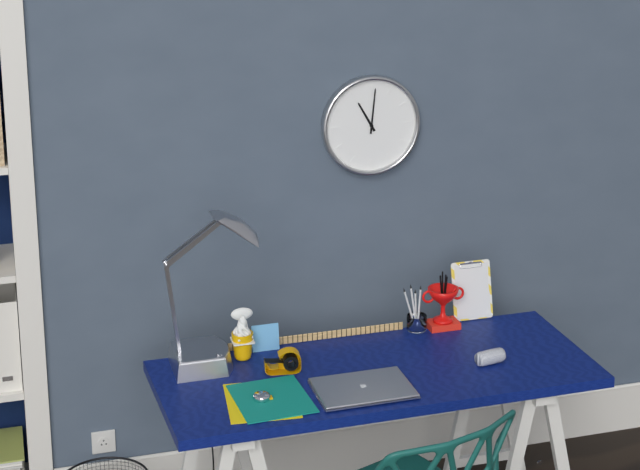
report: 11h01
